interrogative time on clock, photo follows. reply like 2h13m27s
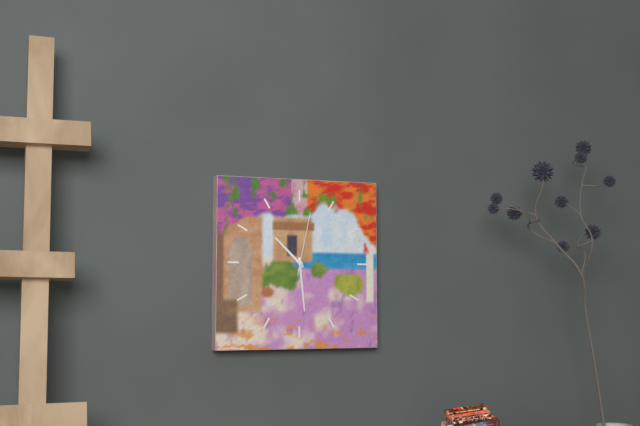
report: 10h29m02s
